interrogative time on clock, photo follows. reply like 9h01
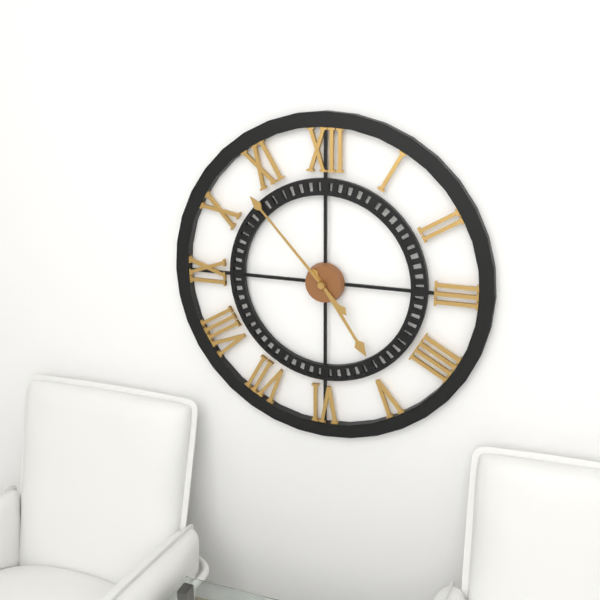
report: 4h53
